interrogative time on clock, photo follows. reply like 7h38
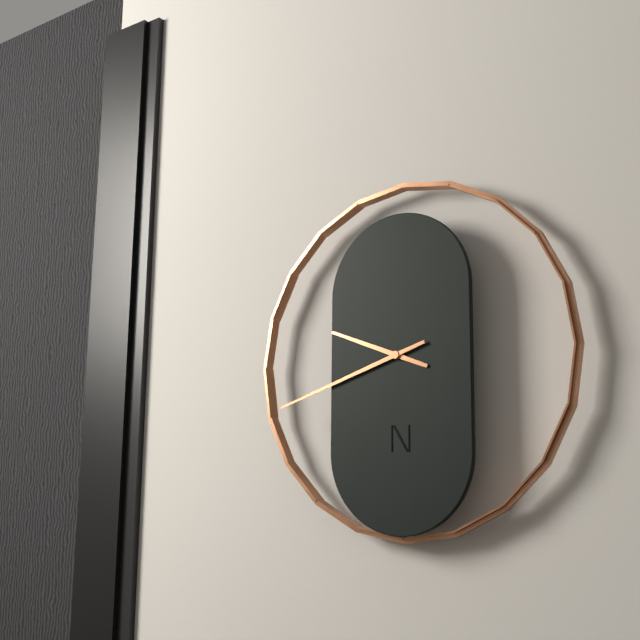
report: 9h42
